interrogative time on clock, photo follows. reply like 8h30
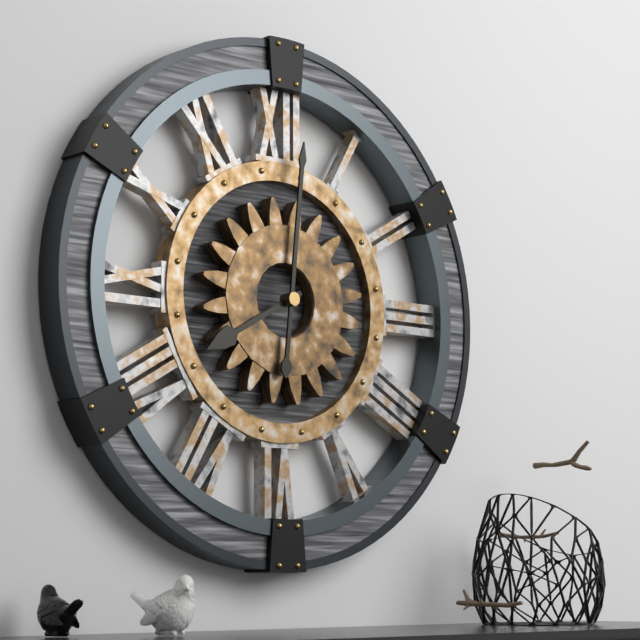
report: 8h01
